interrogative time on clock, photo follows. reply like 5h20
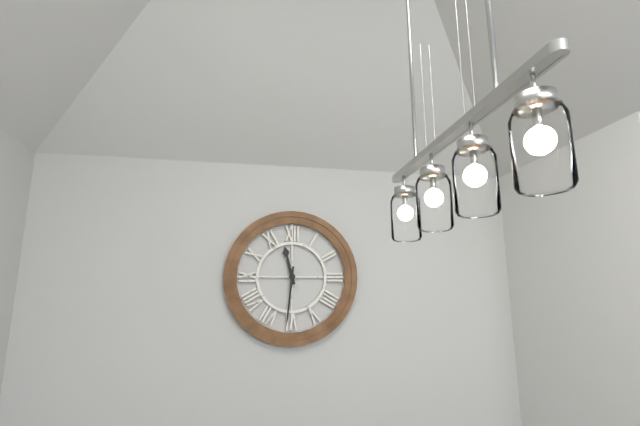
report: 11h31
